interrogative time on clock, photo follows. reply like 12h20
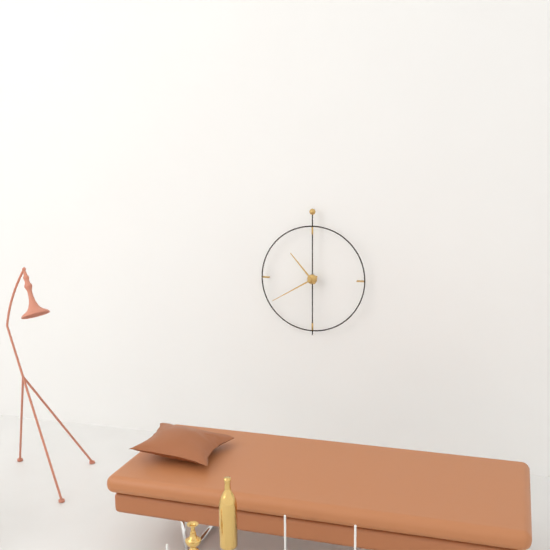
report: 10h40
